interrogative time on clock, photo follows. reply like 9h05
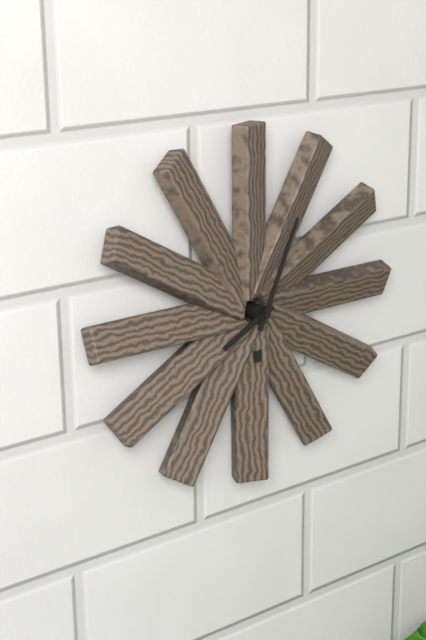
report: 8h04
